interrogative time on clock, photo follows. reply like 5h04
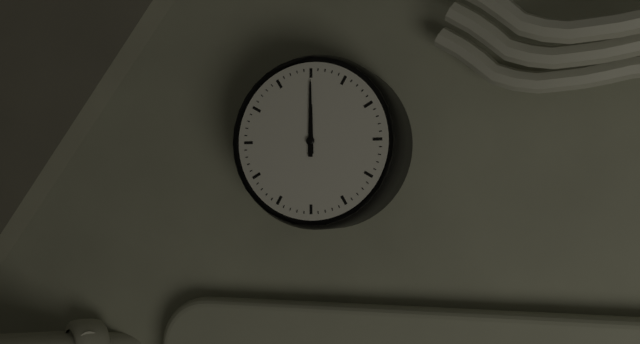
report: 12h00
